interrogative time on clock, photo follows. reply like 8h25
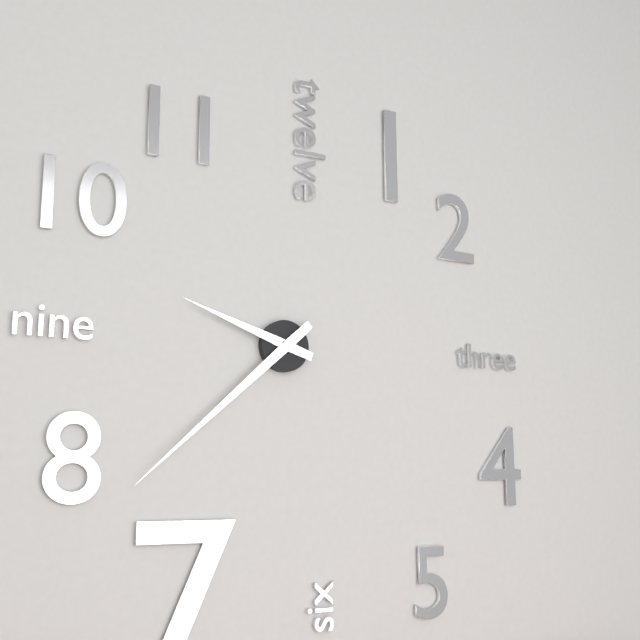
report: 9h38
